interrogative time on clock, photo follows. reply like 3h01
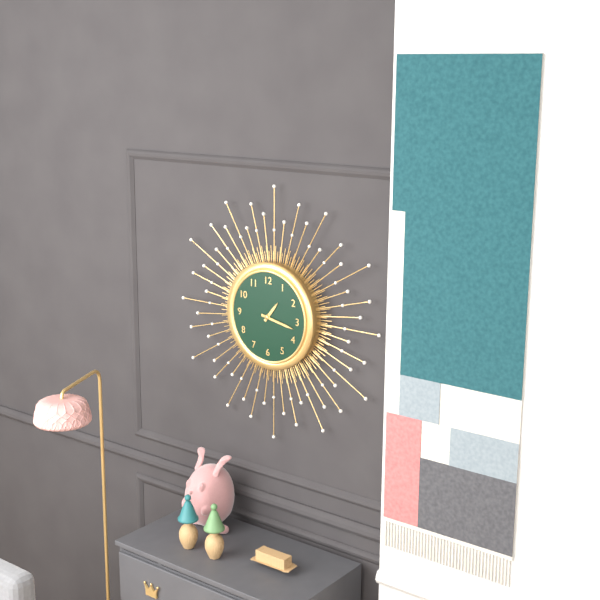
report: 1h17
